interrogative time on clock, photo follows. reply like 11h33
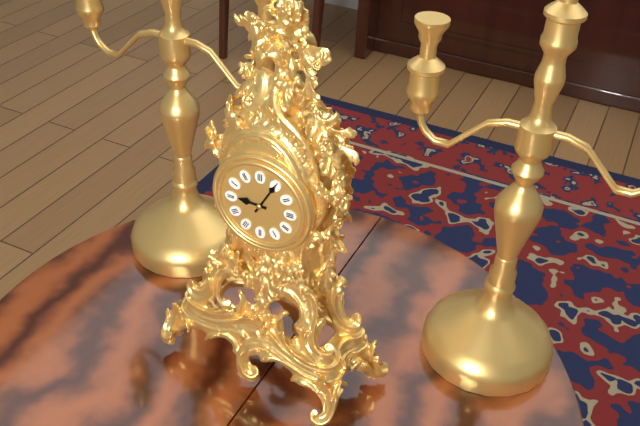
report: 9h05
